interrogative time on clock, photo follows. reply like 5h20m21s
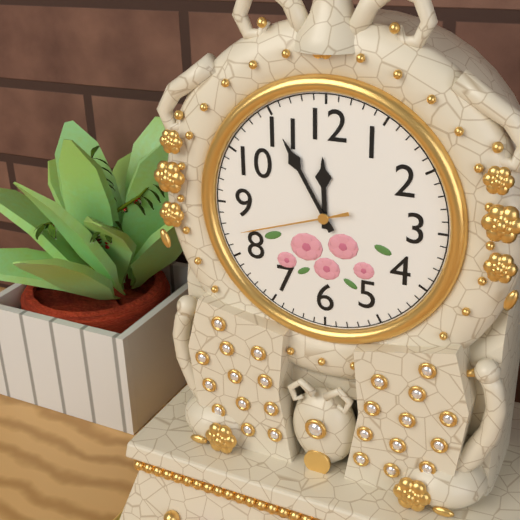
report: 11h55m42s
